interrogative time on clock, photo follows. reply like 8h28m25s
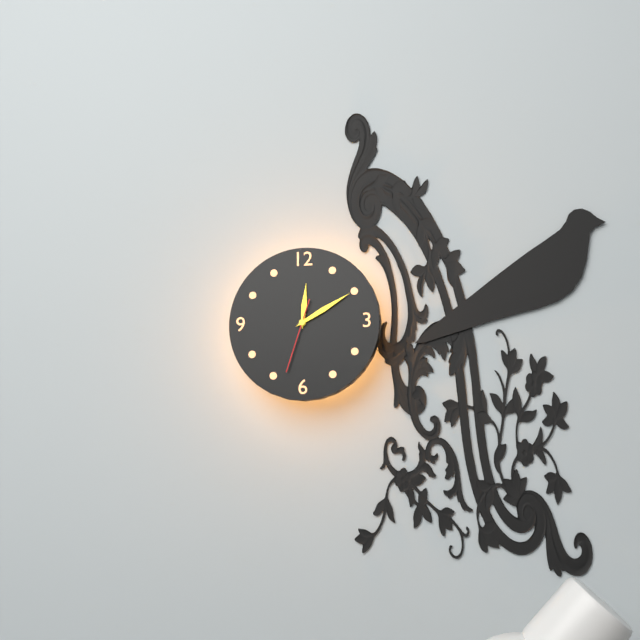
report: 12h10m33s
